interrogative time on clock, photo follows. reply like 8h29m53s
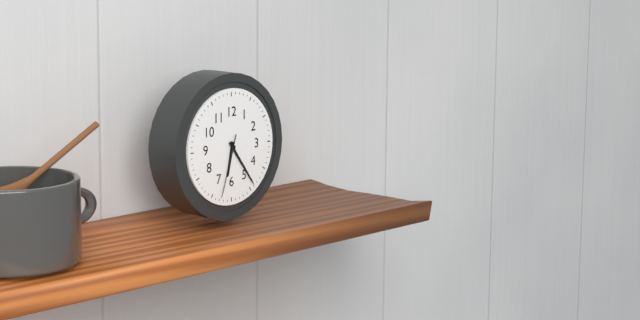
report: 6h24m33s
